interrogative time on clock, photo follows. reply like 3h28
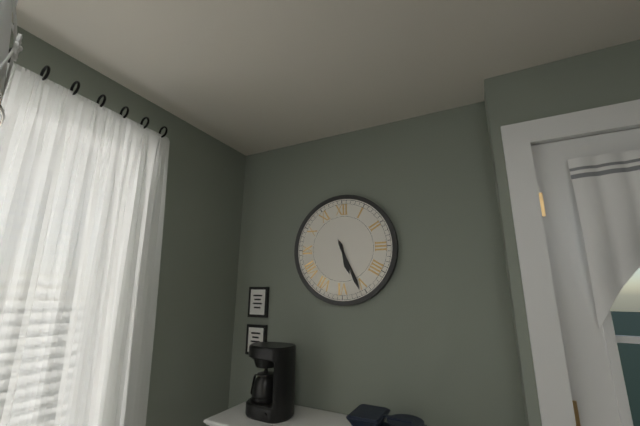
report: 5h26
